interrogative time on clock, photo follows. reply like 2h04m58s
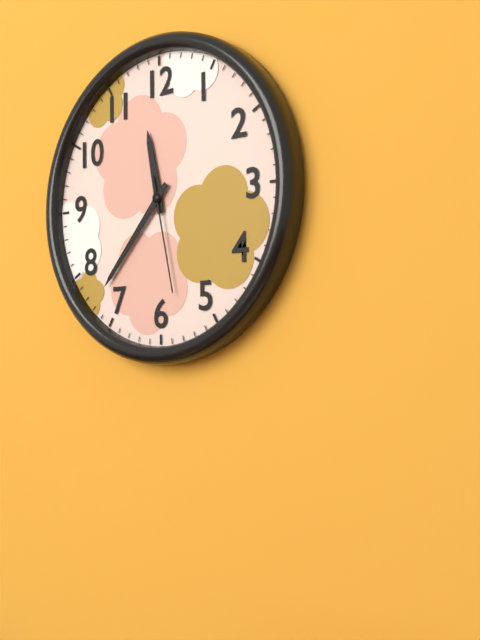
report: 11h37m28s
